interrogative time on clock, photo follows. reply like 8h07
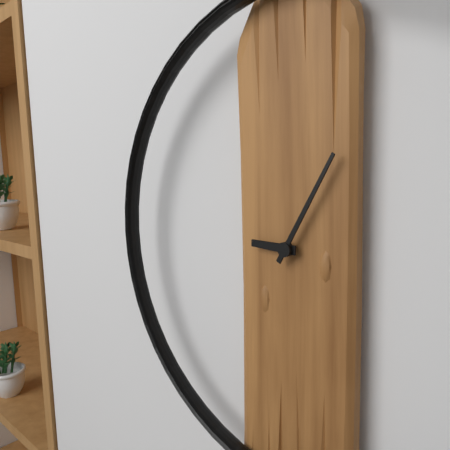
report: 9h05
